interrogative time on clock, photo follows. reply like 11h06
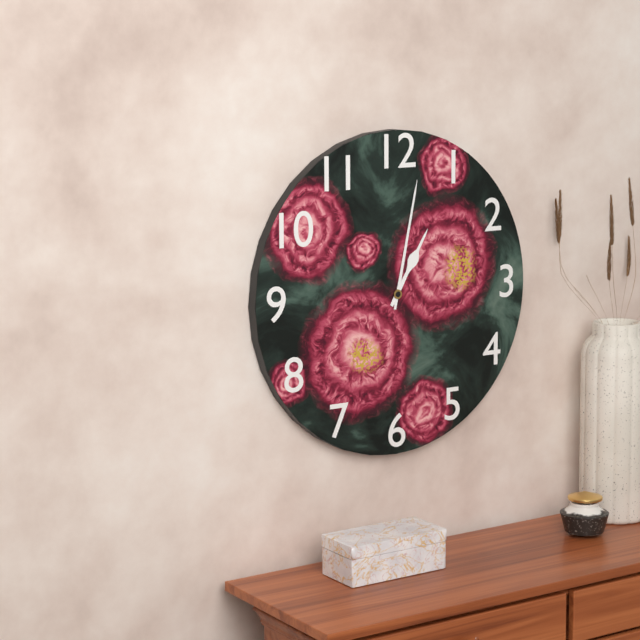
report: 1h02
